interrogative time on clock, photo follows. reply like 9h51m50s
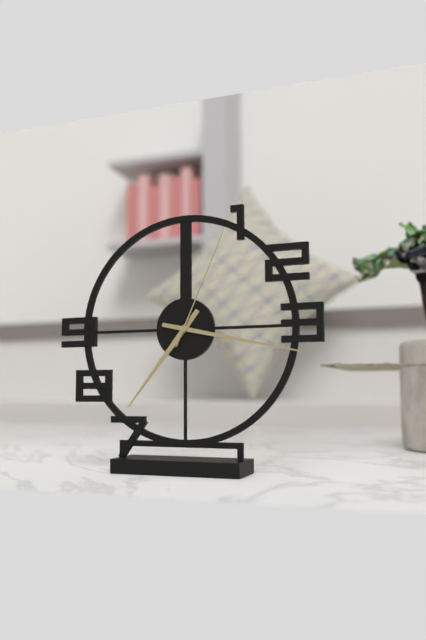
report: 7h17m04s
